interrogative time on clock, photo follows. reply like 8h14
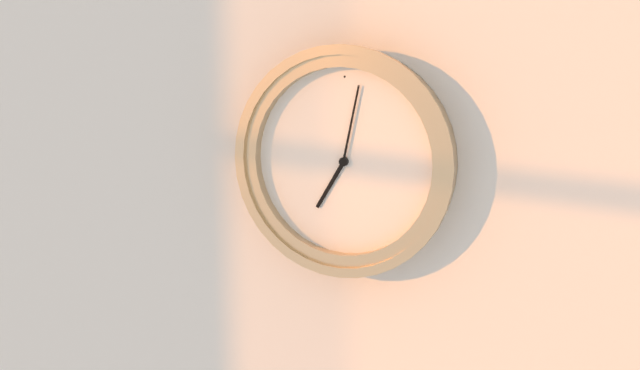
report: 7h02
